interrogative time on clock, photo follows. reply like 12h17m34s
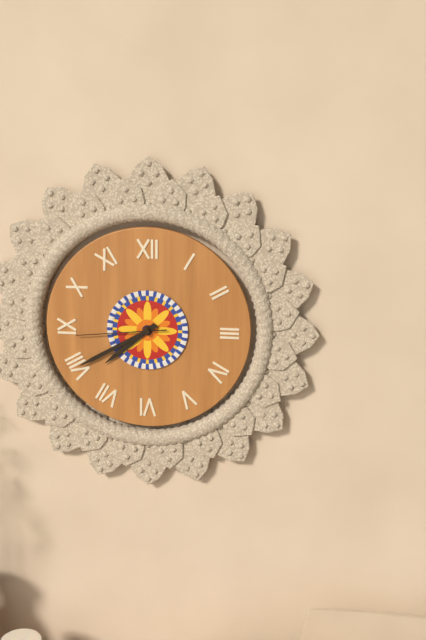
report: 7h40m44s
